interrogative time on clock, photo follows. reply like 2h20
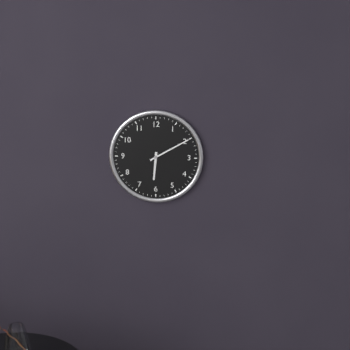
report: 6h10
